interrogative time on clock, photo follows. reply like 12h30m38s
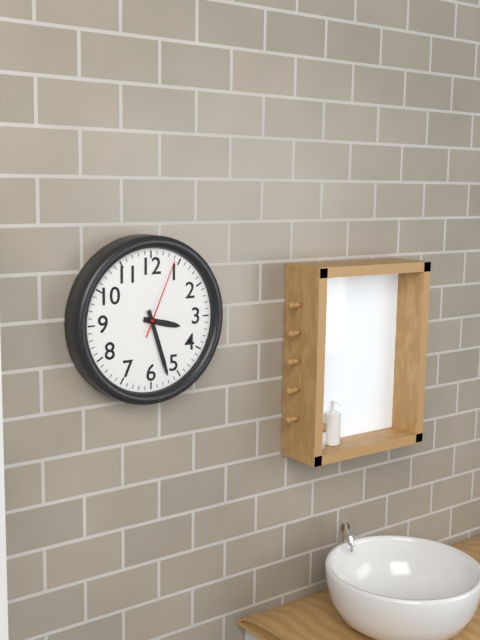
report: 3h27m04s
